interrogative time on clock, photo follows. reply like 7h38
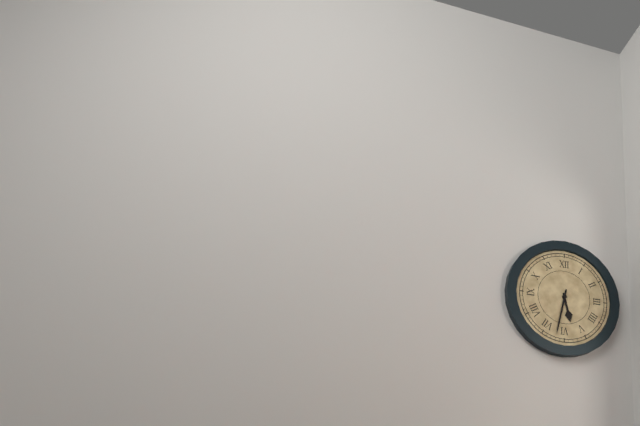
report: 5h32
